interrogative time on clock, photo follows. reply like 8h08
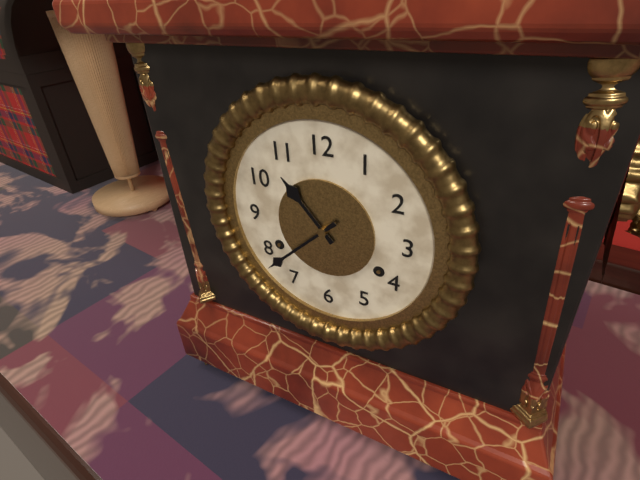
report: 10h38
